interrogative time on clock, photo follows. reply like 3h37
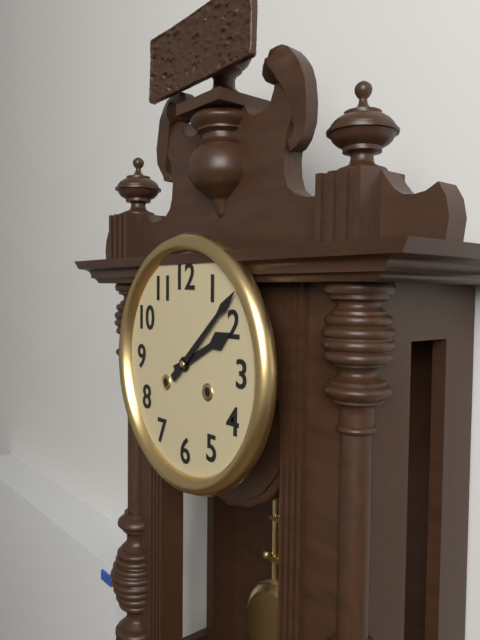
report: 2h08
